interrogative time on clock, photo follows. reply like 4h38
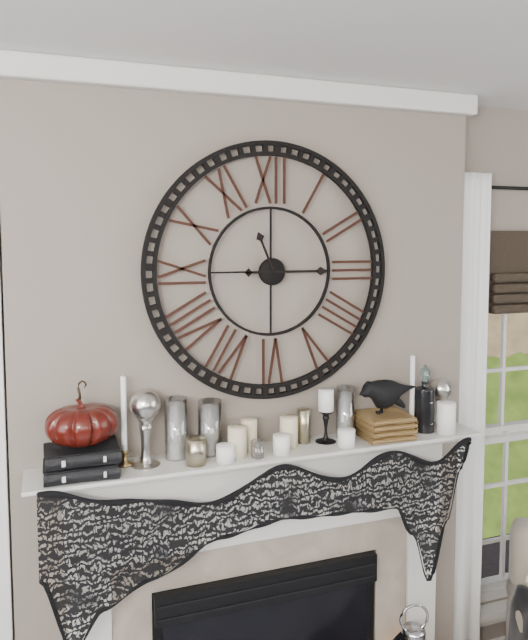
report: 11h15
